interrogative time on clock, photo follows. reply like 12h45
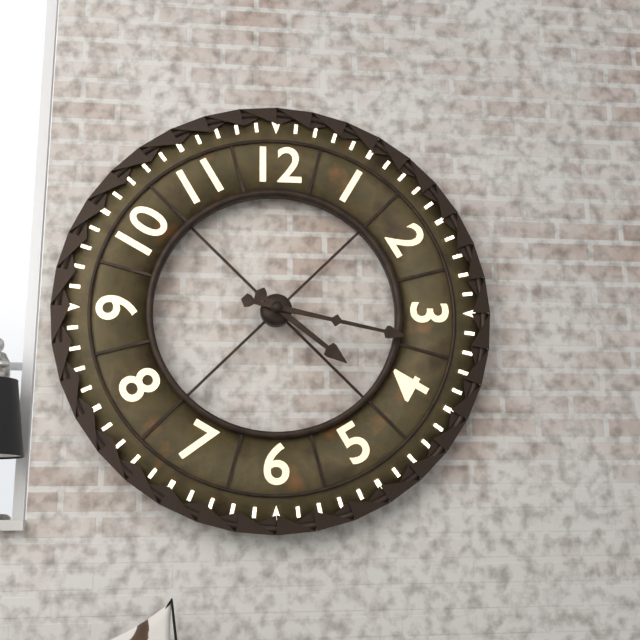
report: 4h17
